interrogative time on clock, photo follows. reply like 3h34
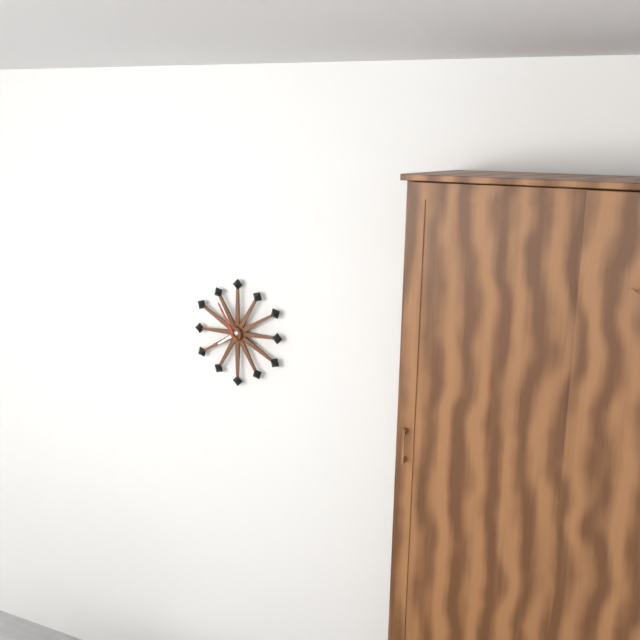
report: 7h55
